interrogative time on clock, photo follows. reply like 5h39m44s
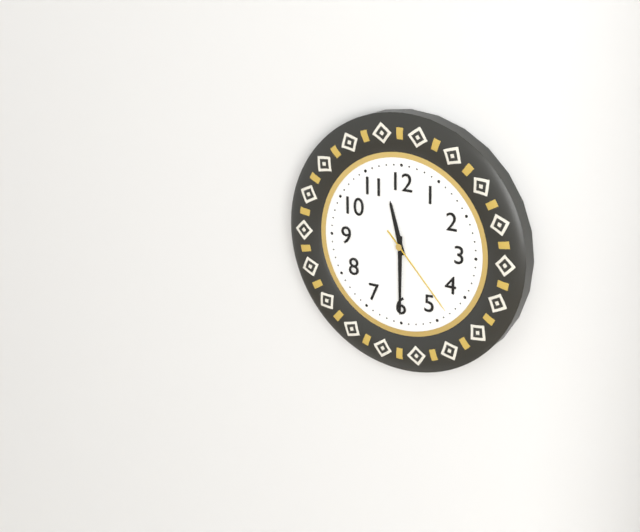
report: 11h30m23s
